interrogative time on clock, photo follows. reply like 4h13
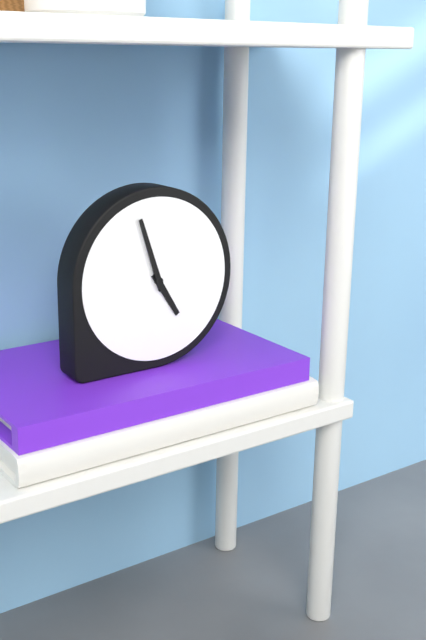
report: 4h57
